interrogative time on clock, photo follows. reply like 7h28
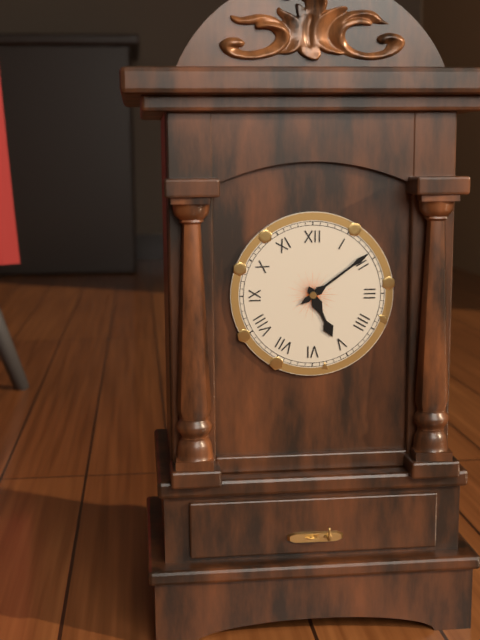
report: 5h09
